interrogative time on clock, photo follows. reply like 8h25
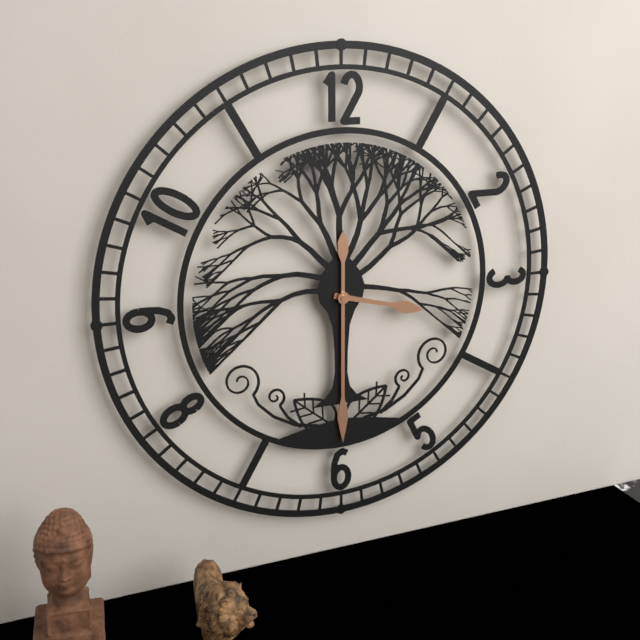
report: 3h30
